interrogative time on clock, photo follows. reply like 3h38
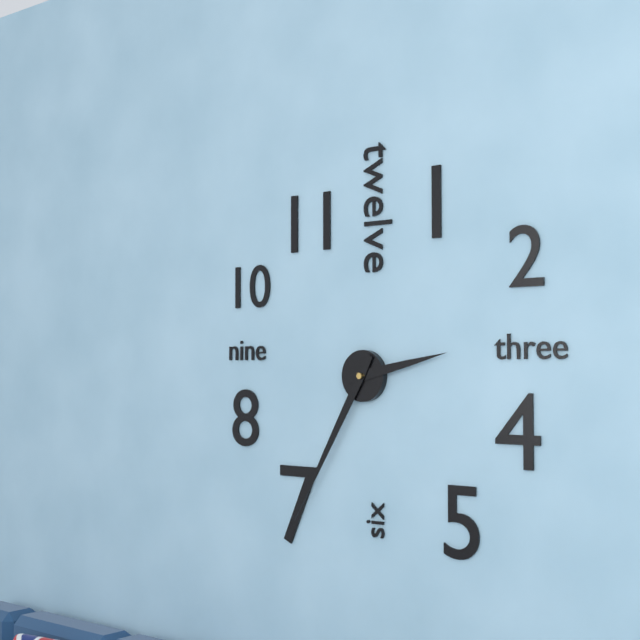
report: 2h35
